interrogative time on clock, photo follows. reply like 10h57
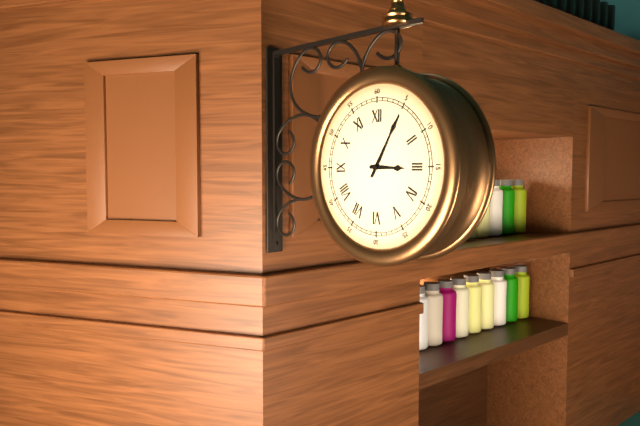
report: 3h05
